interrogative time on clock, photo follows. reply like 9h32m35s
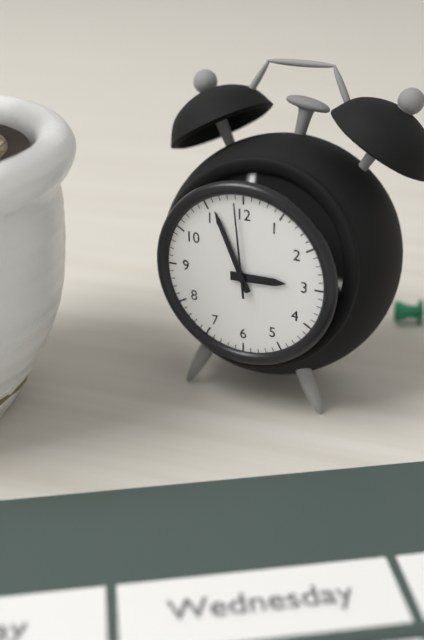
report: 2h56m59s
